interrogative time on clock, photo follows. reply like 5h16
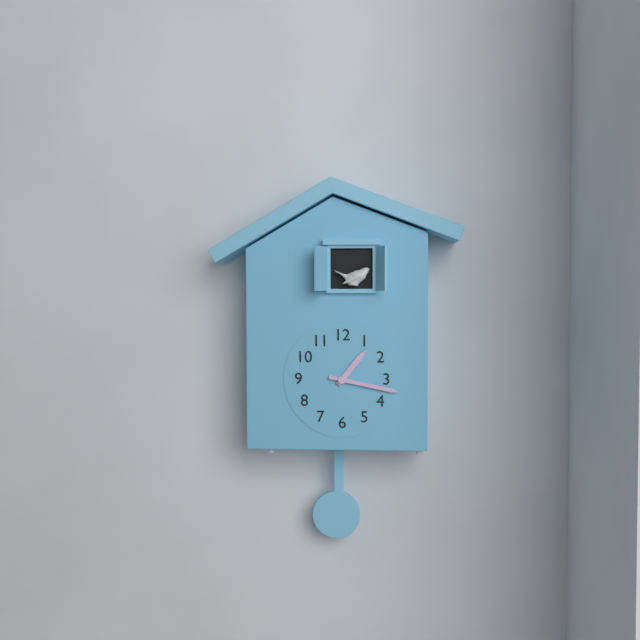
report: 1h17
